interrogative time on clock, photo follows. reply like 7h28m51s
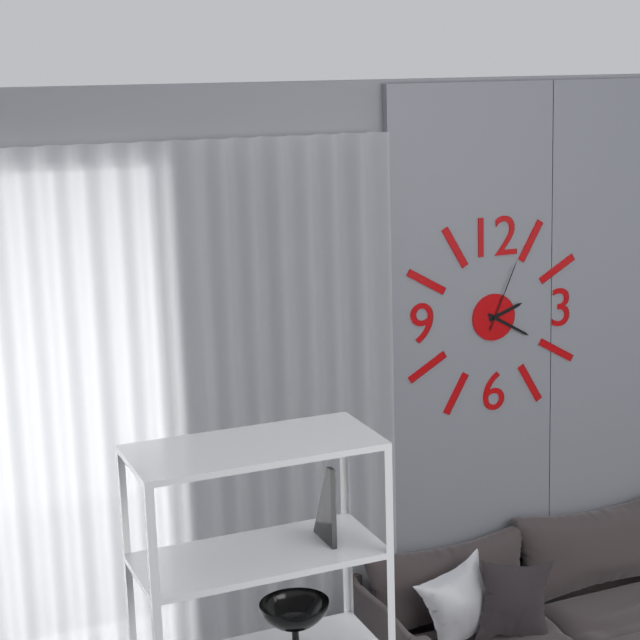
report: 2h20m04s
